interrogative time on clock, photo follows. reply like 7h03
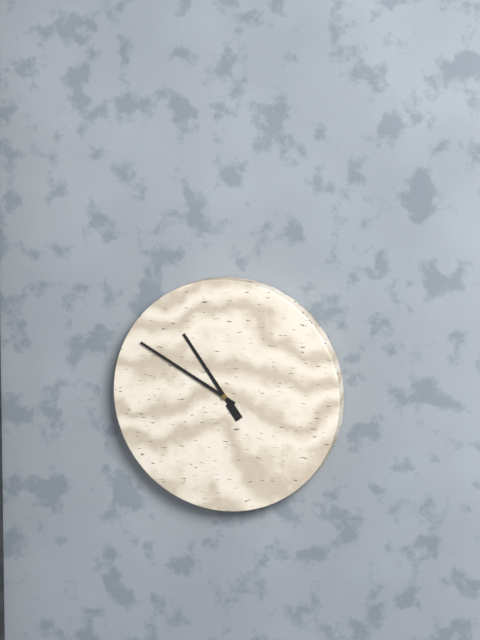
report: 10h50
